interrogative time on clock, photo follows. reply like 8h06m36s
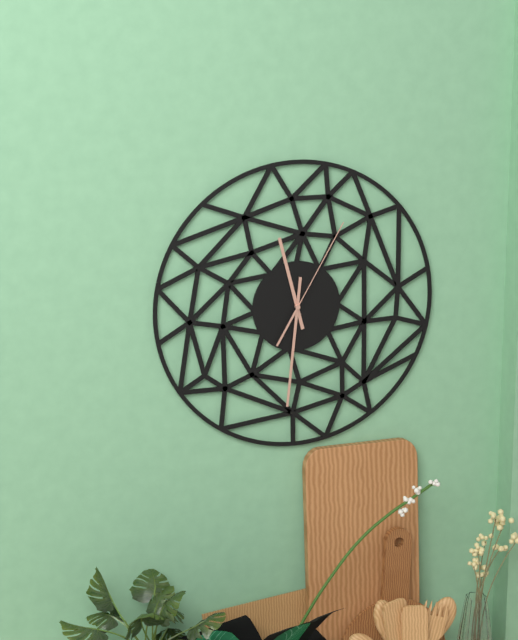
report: 11h31m05s
